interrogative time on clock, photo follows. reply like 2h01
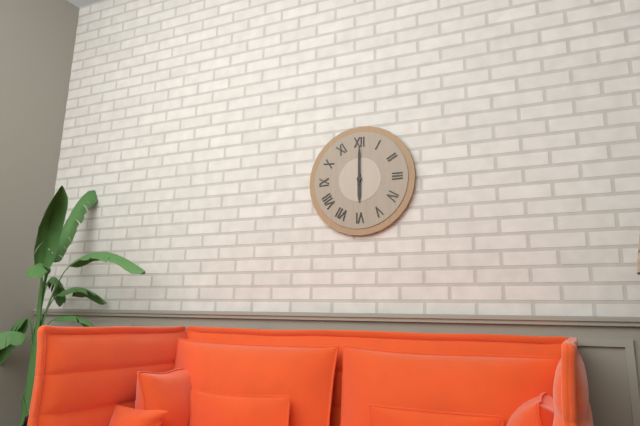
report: 6h00
